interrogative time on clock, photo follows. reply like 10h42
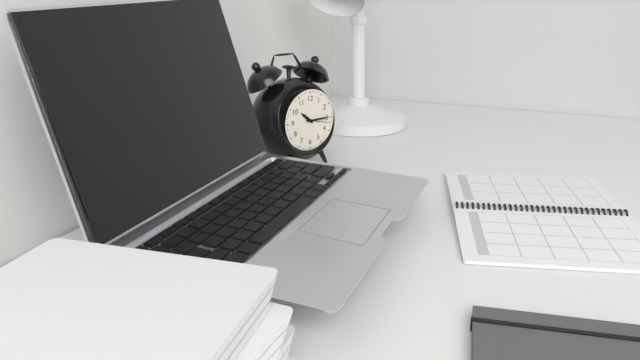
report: 10h15
